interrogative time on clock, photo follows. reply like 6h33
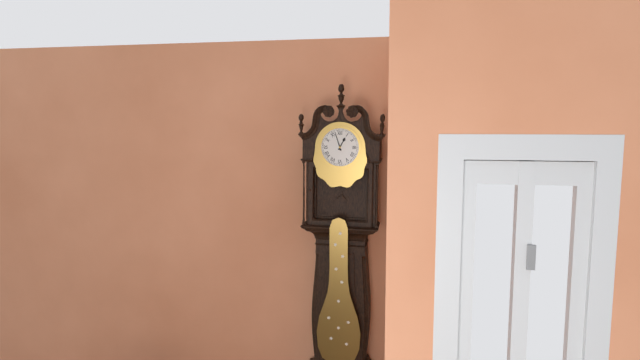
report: 12h57
